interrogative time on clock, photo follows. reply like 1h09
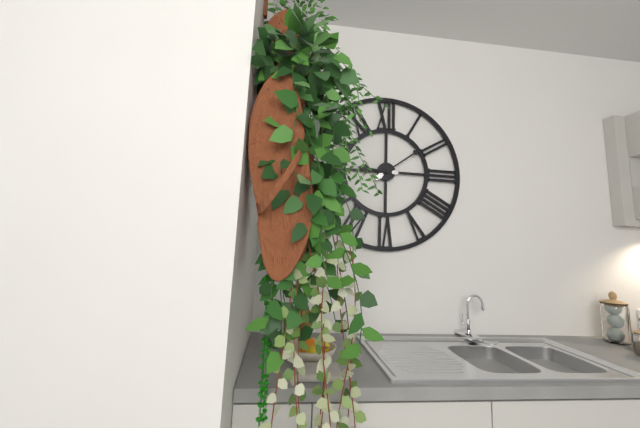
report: 9h09
